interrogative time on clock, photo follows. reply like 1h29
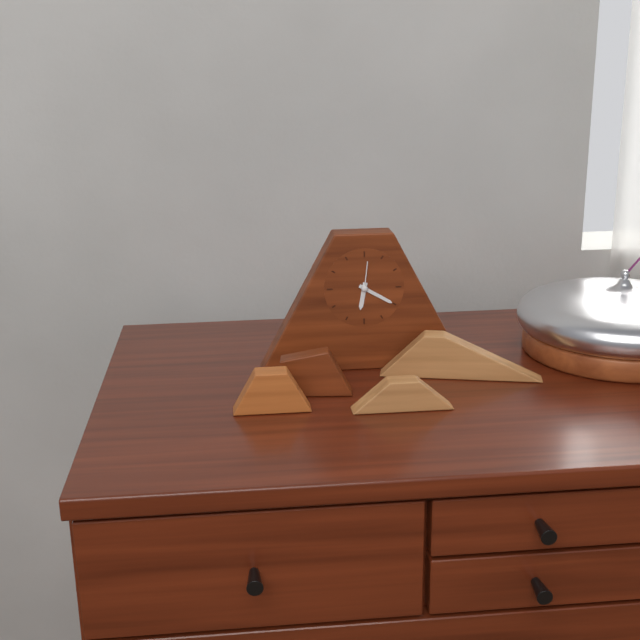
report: 6h20
